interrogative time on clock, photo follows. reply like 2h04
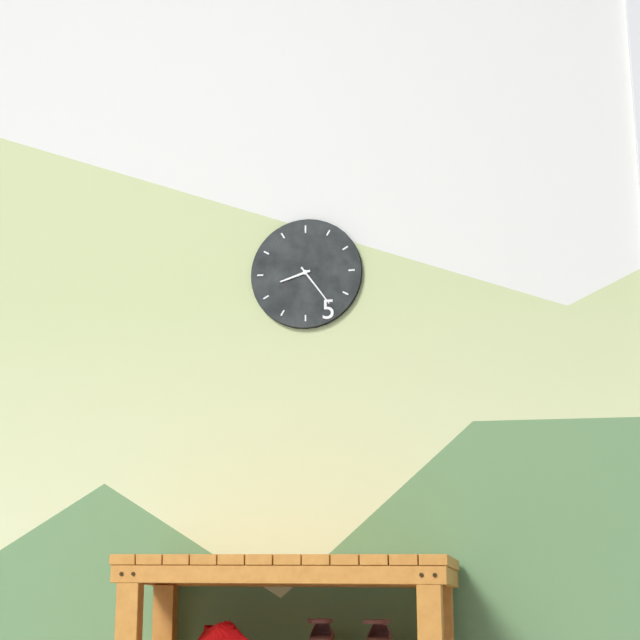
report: 8h24
